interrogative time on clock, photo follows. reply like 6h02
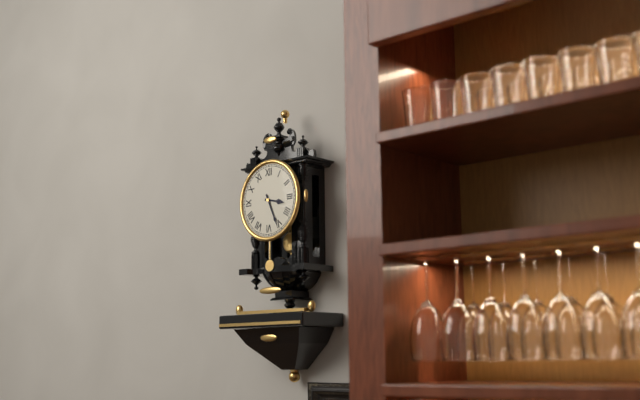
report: 3h26
